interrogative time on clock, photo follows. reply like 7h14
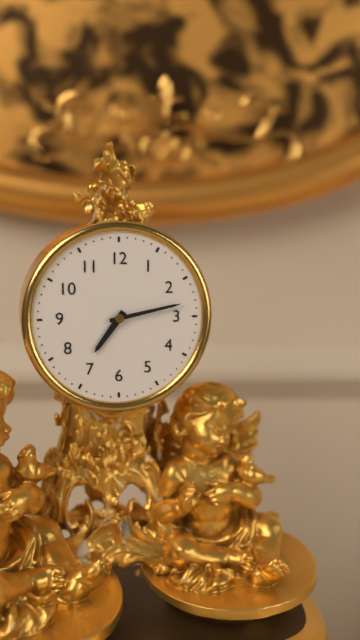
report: 7h13
